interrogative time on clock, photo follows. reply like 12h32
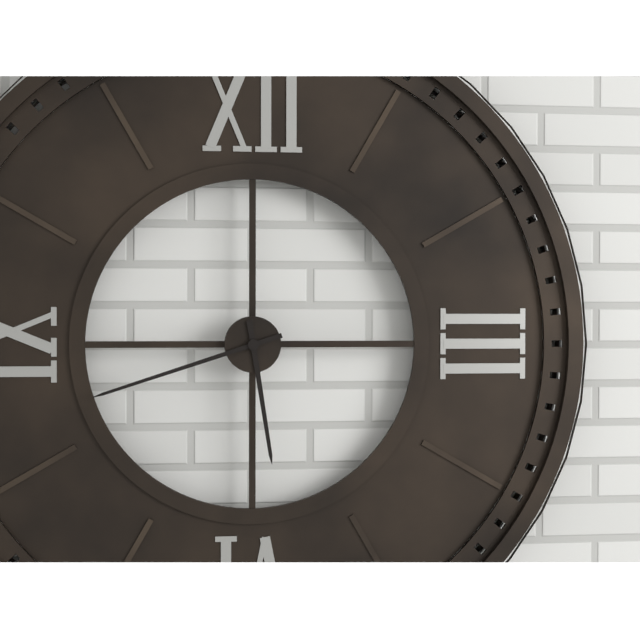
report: 5h42
